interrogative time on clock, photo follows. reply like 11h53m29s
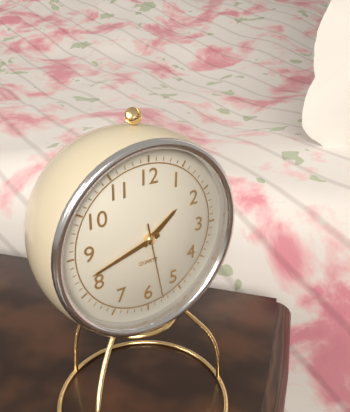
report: 1h42m28s
